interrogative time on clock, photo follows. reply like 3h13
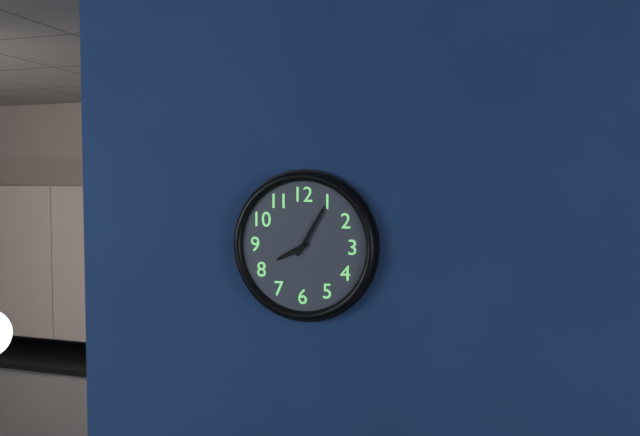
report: 8h05
